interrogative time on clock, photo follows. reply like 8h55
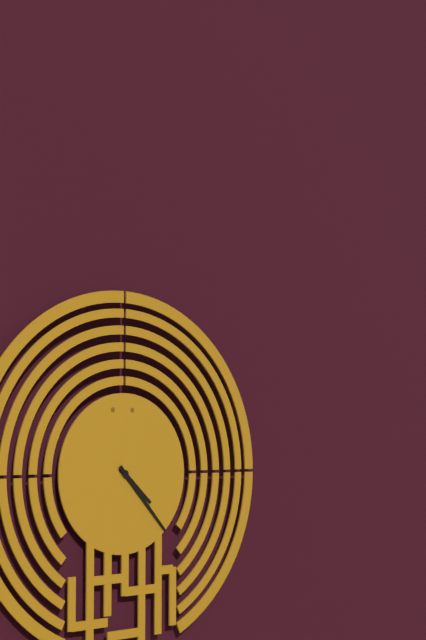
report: 4h23
